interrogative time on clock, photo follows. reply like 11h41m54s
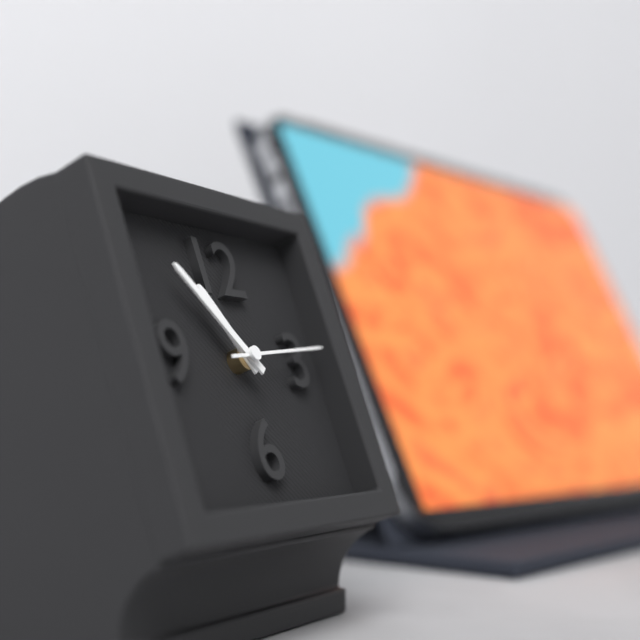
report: 10h53m14s
